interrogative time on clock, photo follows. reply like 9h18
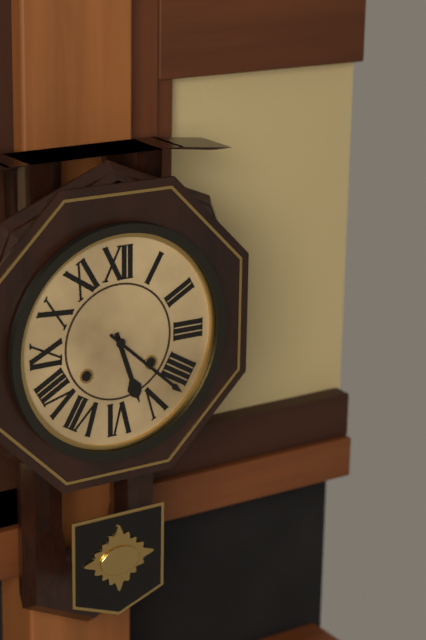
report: 5h22
